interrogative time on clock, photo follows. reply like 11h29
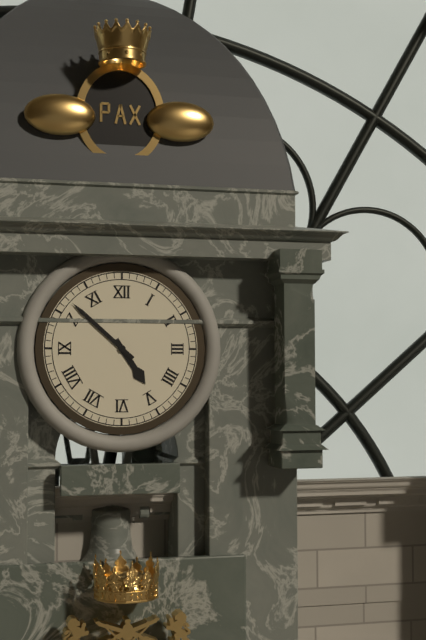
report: 4h52
